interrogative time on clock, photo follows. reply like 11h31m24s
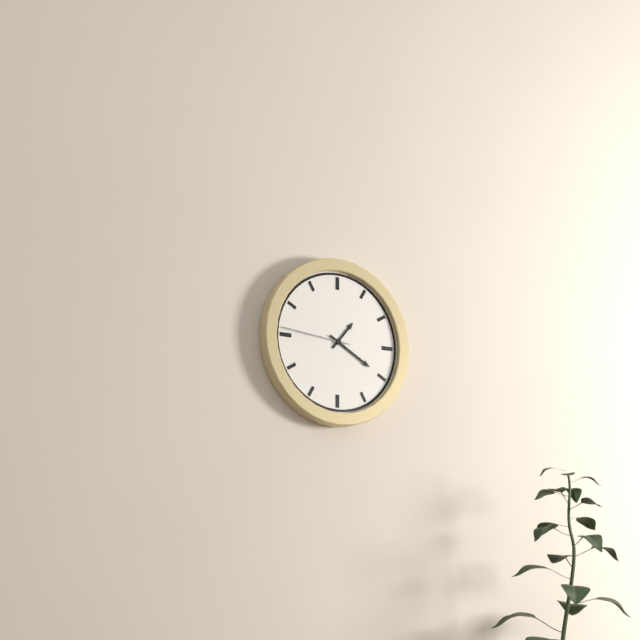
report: 1h20m46s
